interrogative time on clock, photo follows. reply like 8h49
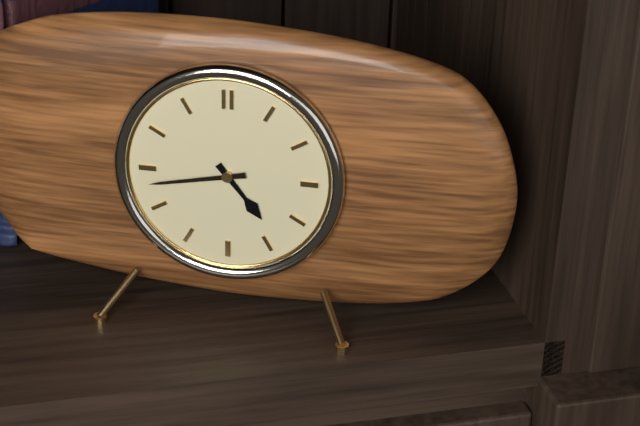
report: 4h43
